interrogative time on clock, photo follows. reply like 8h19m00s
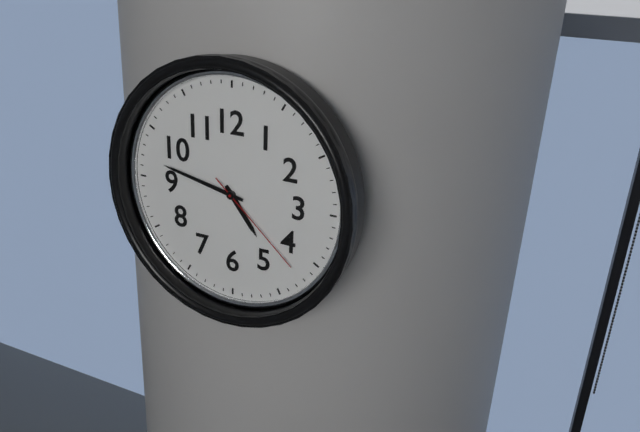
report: 4h47m22s
